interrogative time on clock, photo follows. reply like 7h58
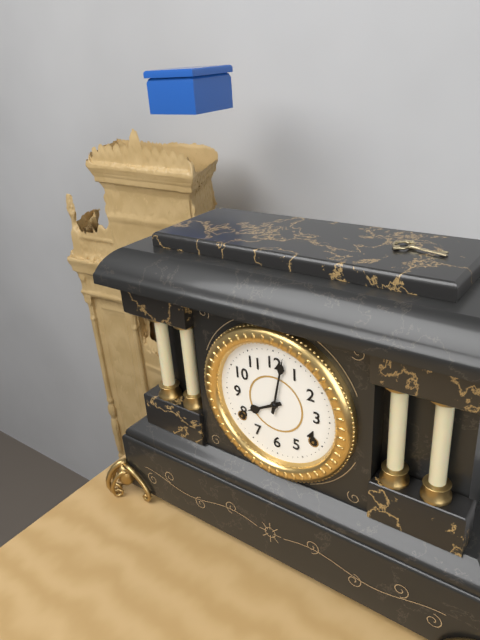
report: 8h02
